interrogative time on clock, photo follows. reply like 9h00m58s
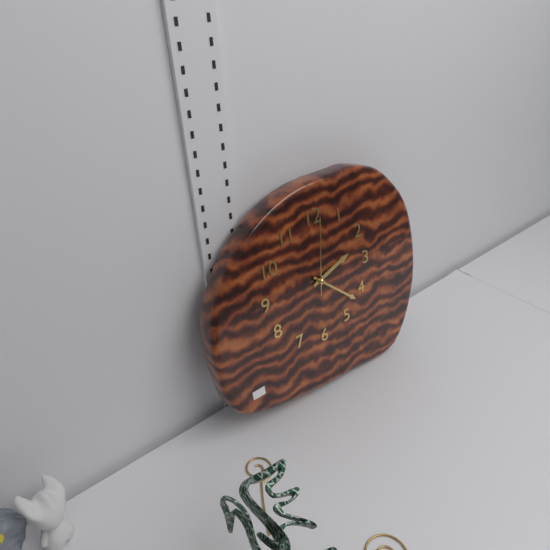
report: 2h22m01s
